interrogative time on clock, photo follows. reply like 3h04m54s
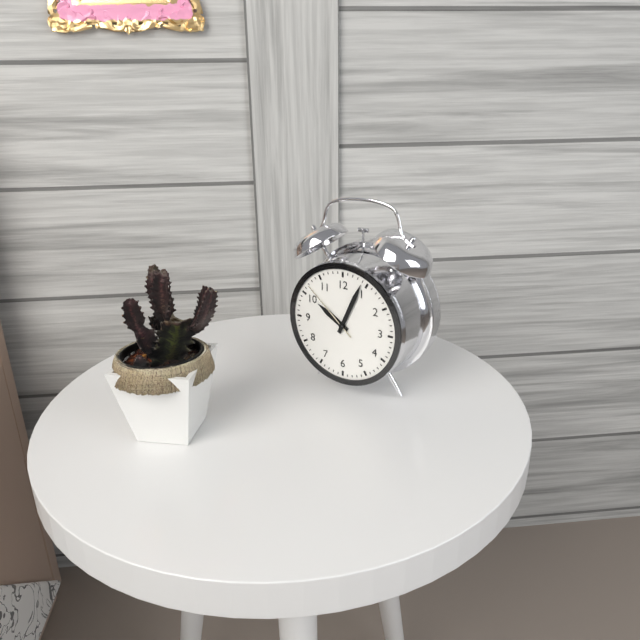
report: 10h04m52s
